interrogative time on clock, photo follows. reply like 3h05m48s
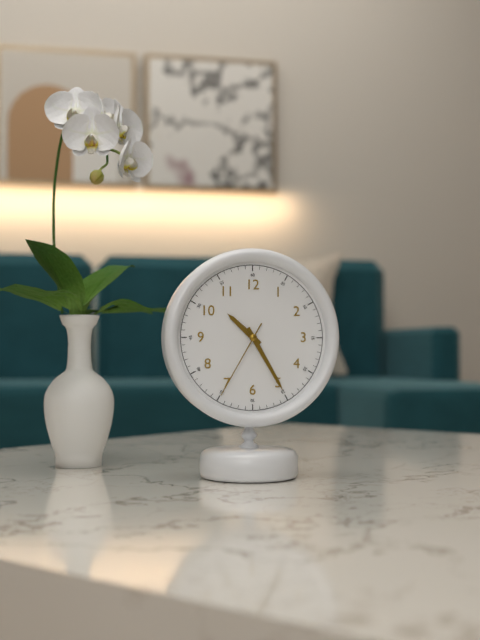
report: 10h25m35s
